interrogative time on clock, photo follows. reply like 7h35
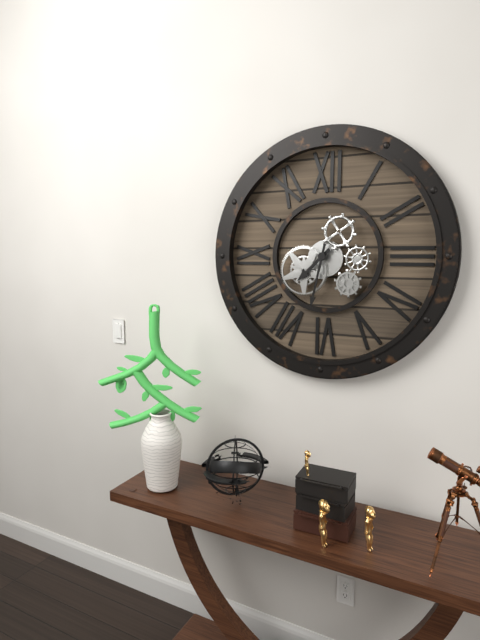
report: 7h32
